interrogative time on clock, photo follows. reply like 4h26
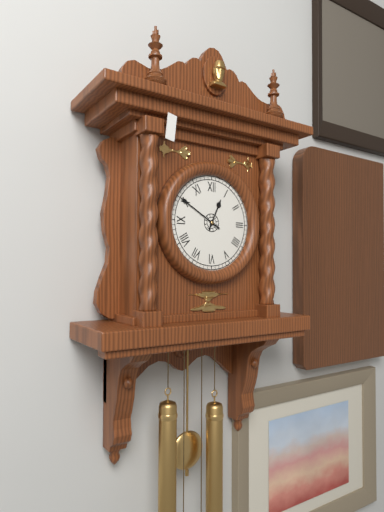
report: 12h50
